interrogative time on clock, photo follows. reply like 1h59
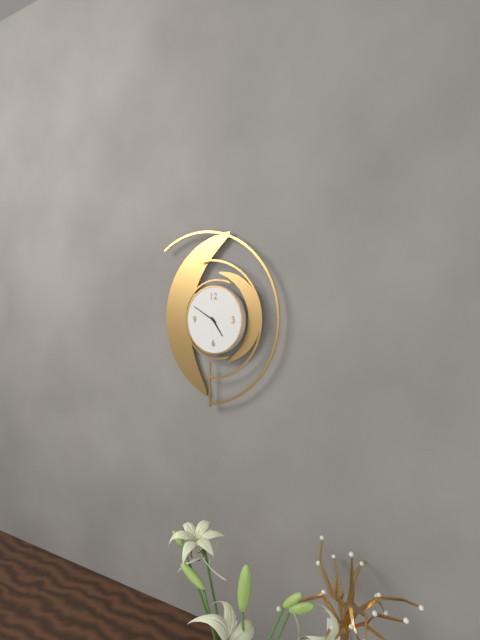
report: 4h50
